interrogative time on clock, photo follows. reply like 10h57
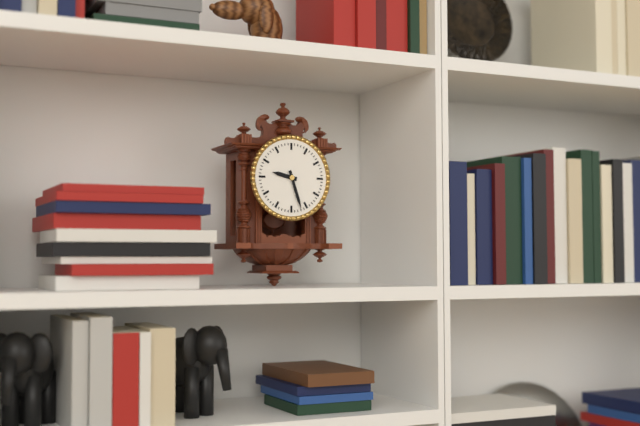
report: 9h27
